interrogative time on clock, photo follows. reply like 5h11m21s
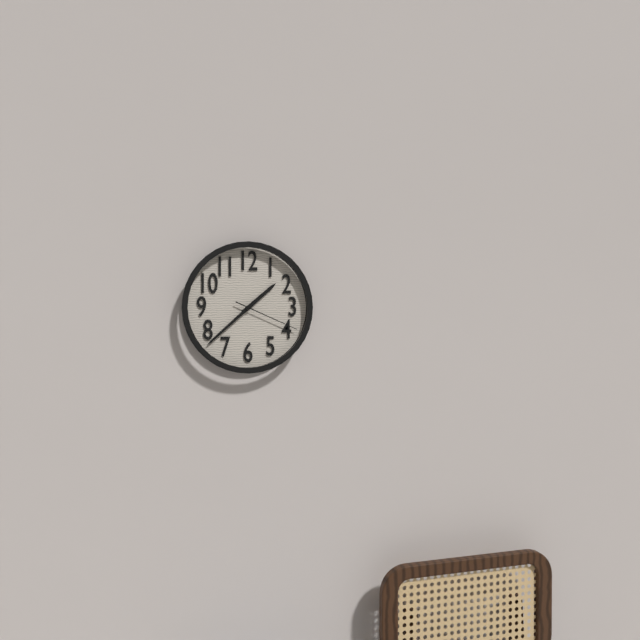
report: 1h38m19s
